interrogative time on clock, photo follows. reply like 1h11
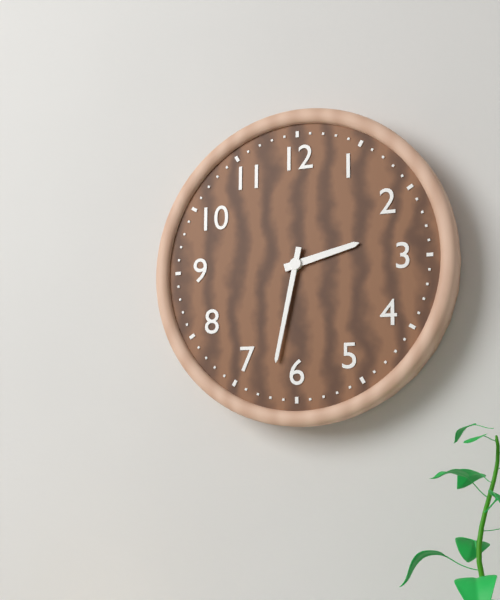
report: 2h32
